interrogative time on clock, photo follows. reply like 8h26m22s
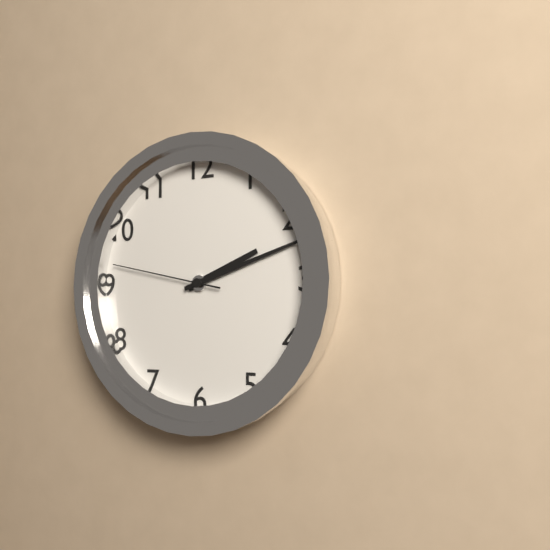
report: 2h12m47s
